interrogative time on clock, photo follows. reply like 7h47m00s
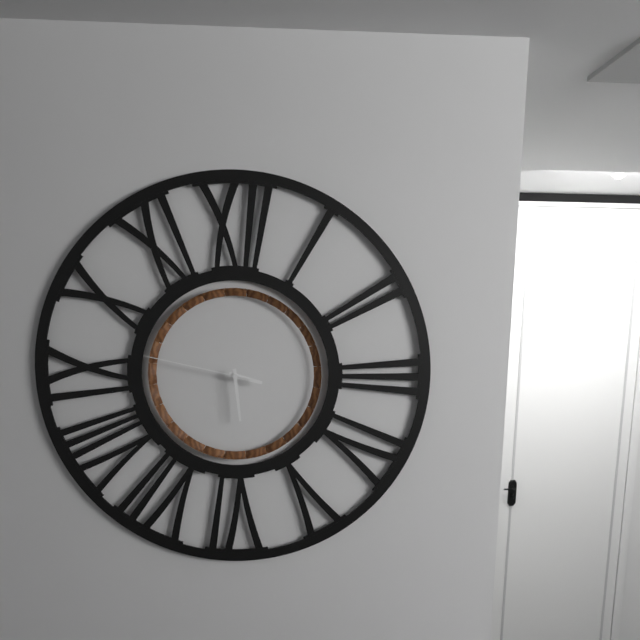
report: 3h29m47s
